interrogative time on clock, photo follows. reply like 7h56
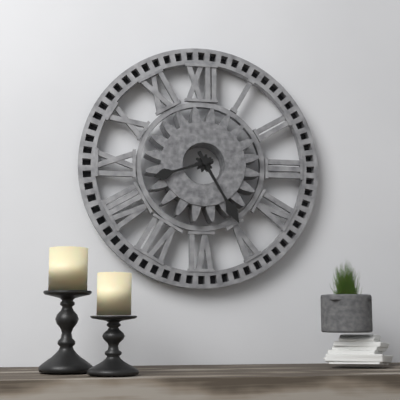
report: 8h25
